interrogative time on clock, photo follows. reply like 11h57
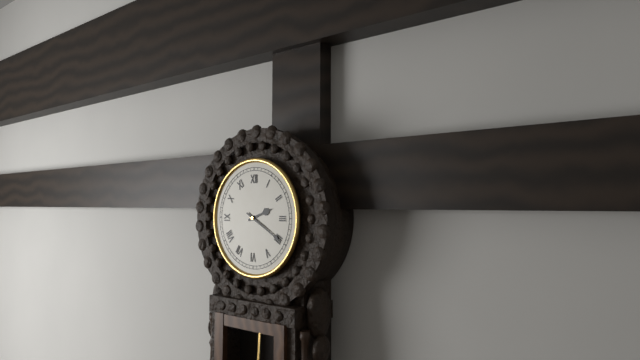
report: 2h20
